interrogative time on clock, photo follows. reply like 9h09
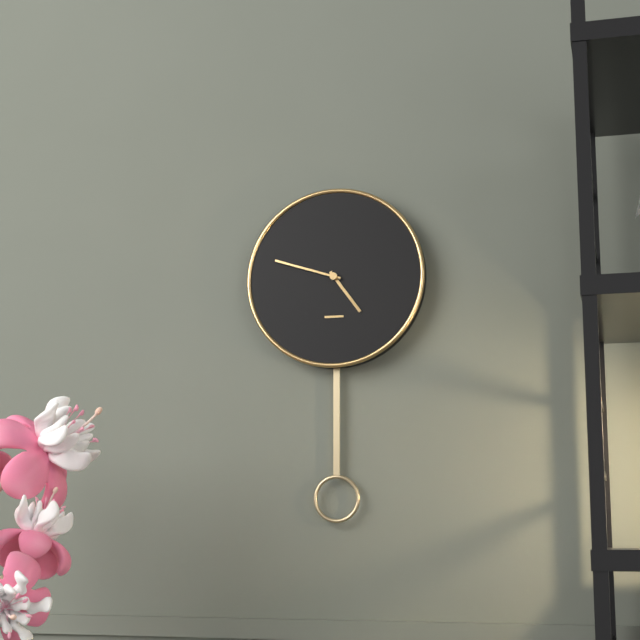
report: 4h48
